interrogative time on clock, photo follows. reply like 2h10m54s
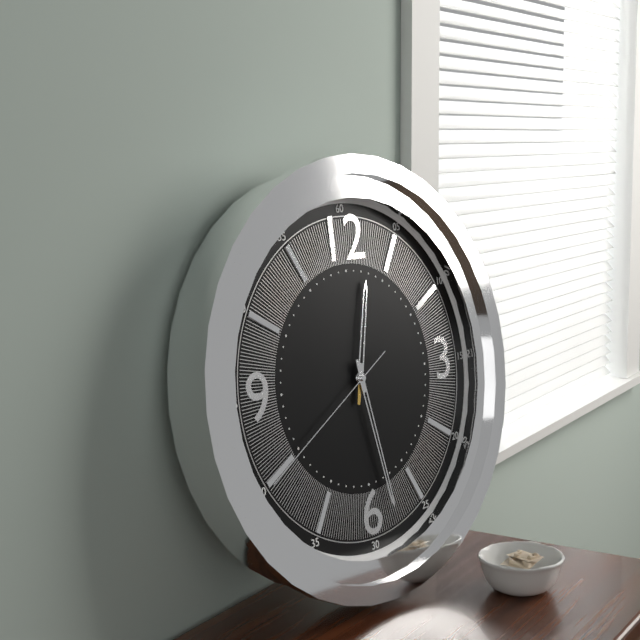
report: 12h28m40s
